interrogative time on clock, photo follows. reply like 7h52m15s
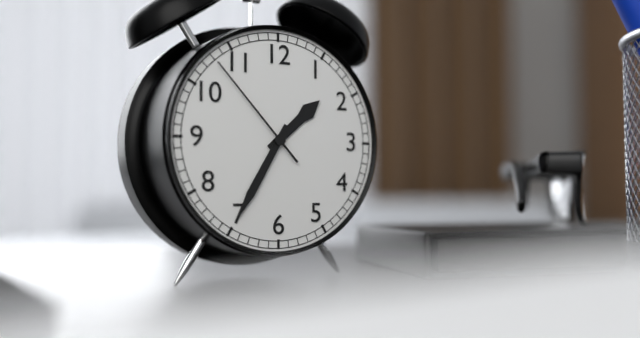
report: 1h35m53s
